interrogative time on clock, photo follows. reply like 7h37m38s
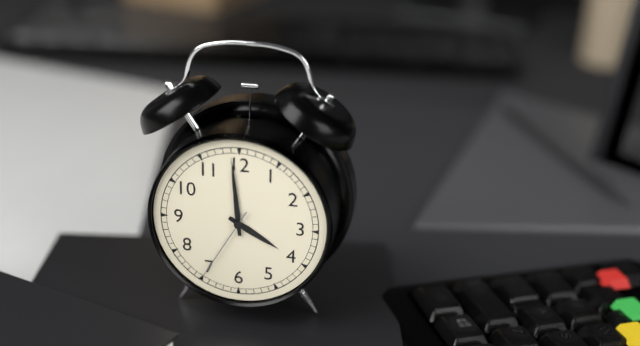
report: 3h59m35s
